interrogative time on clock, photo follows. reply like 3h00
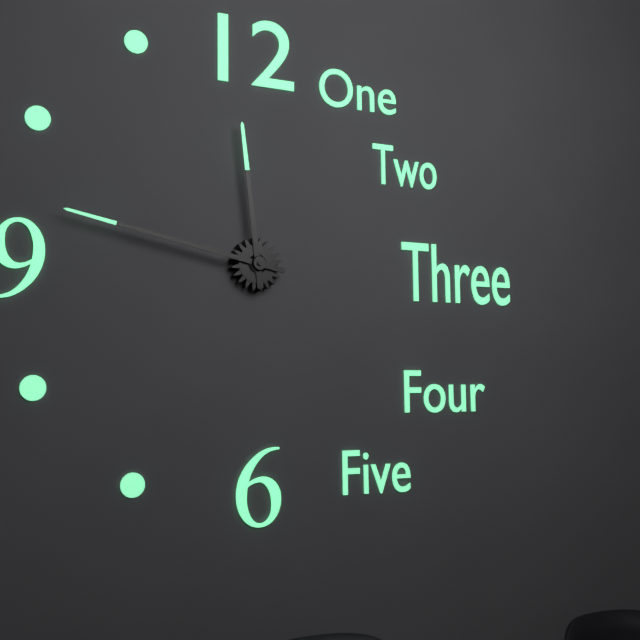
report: 11h47
